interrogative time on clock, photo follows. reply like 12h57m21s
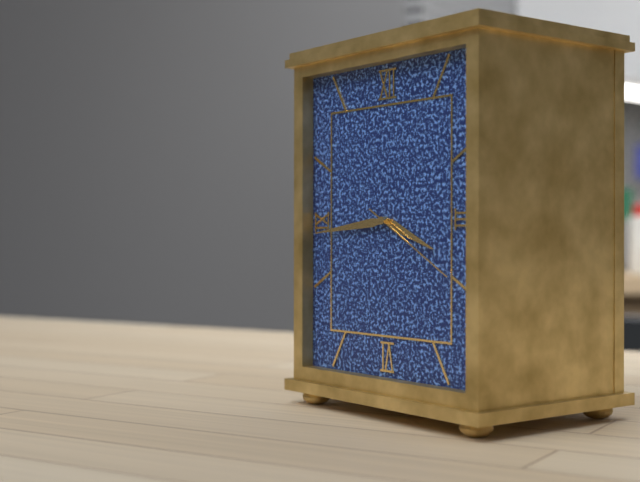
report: 3h44m20s
